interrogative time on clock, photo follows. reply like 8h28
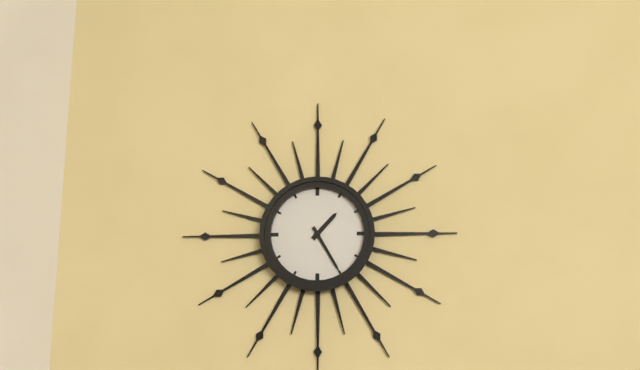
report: 1h25
